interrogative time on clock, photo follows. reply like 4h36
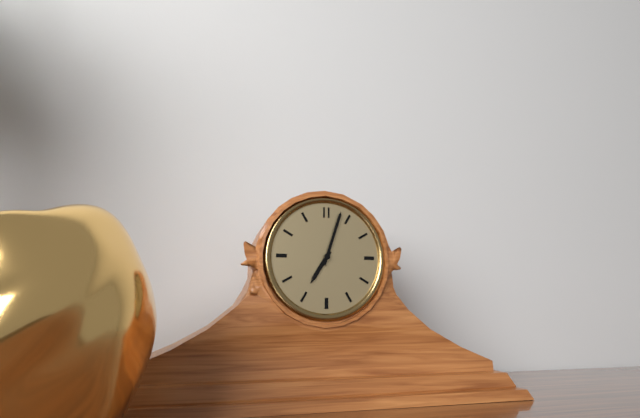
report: 7h03
